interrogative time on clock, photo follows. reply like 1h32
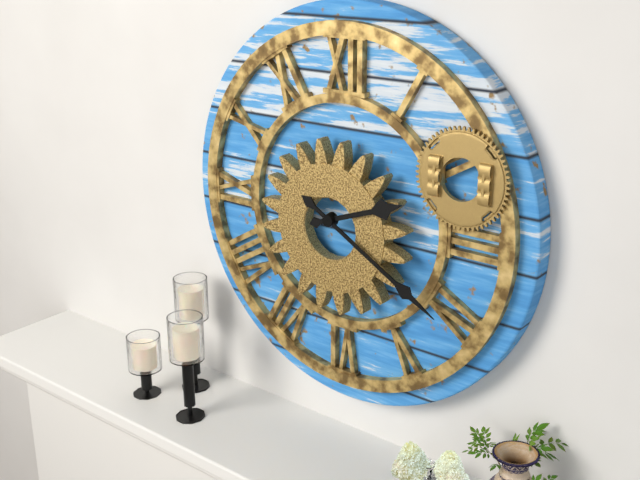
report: 2h20
